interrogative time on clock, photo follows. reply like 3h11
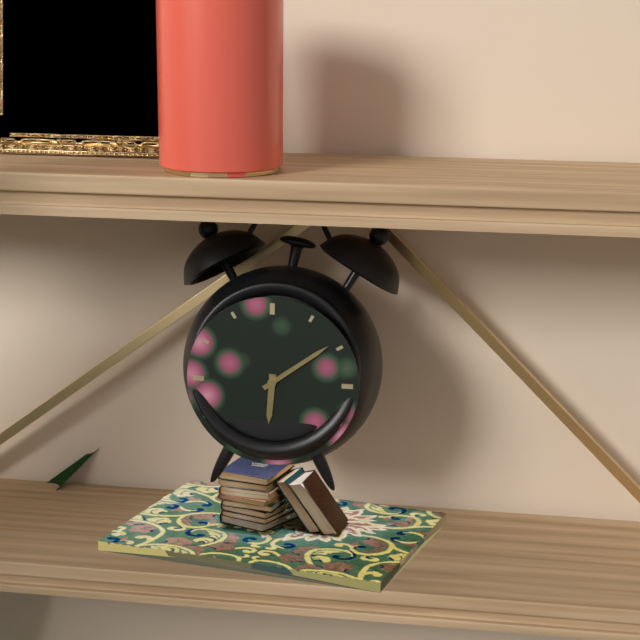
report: 6h09
